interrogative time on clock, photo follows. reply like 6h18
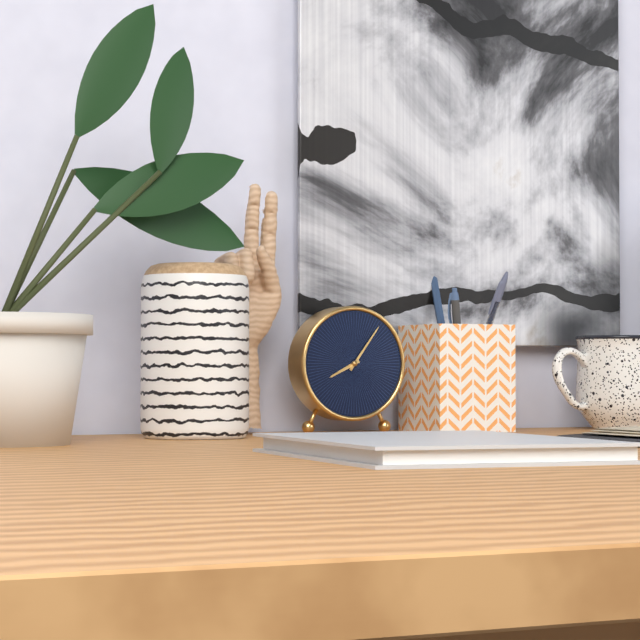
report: 8h06
